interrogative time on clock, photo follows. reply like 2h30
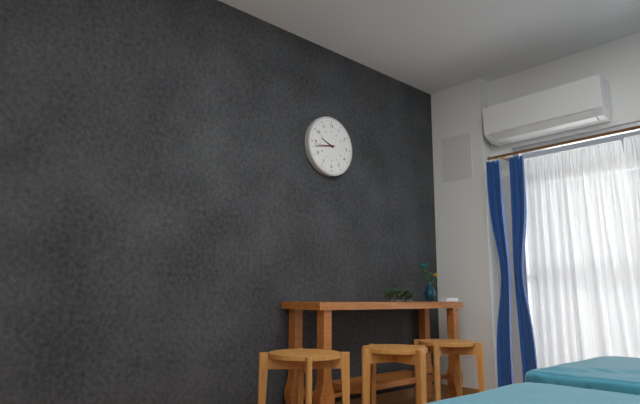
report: 9h43
